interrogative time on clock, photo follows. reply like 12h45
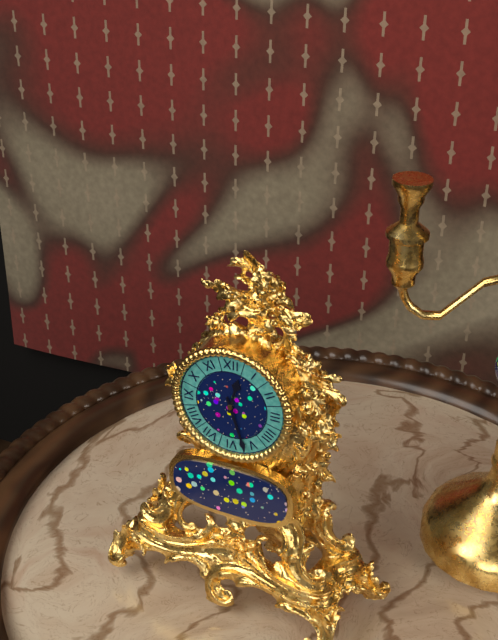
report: 12h27
